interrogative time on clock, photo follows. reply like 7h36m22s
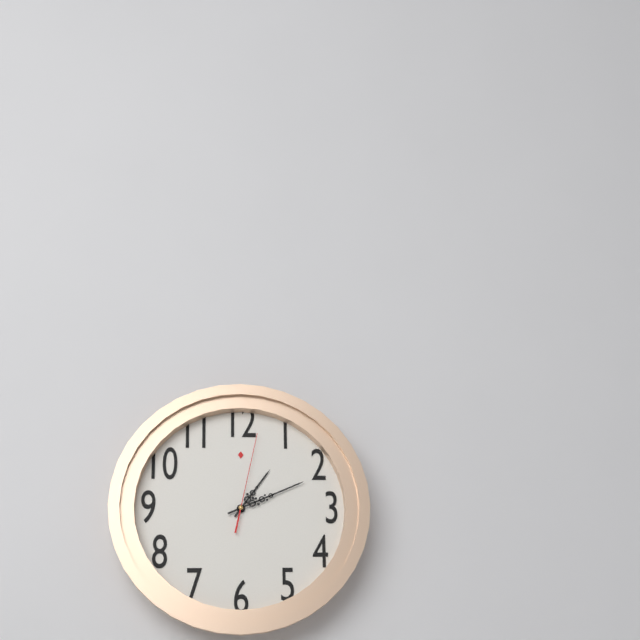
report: 1h11m02s
